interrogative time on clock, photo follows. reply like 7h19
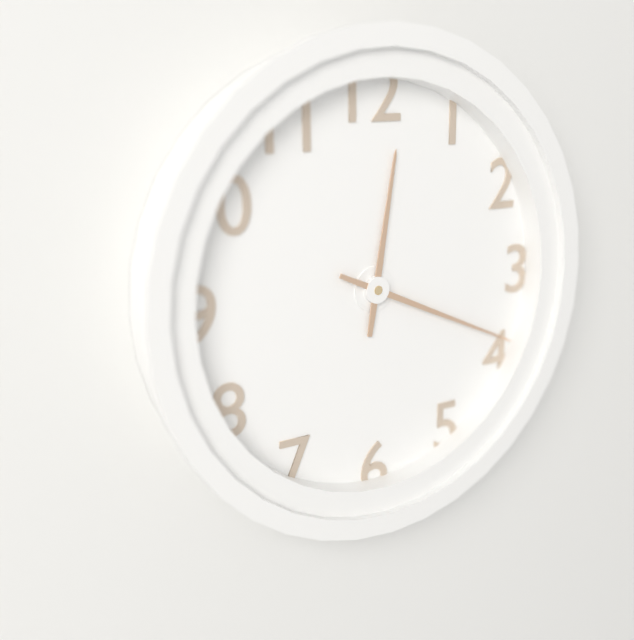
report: 12h19
